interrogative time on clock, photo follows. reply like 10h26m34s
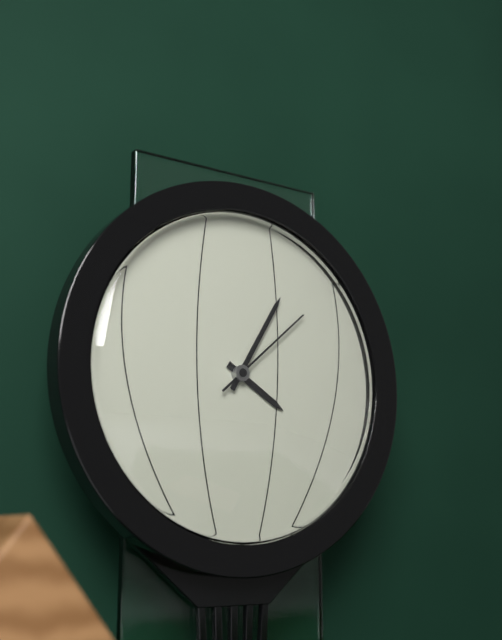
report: 4h05m08s
